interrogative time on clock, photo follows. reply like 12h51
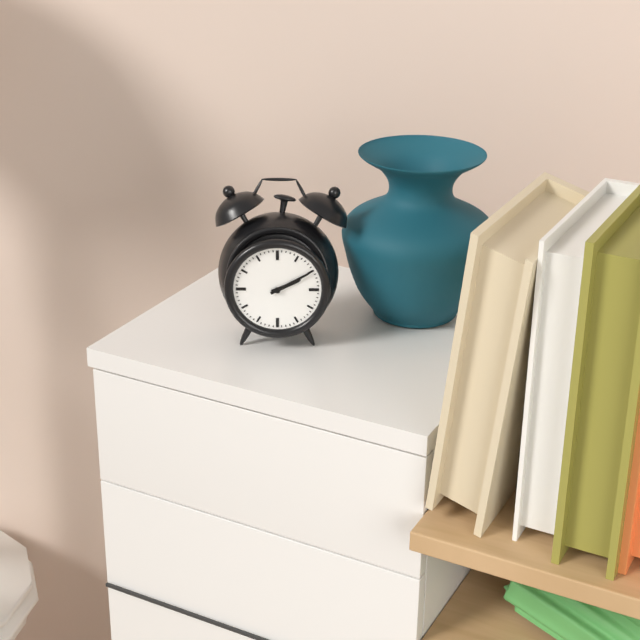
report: 2h10
